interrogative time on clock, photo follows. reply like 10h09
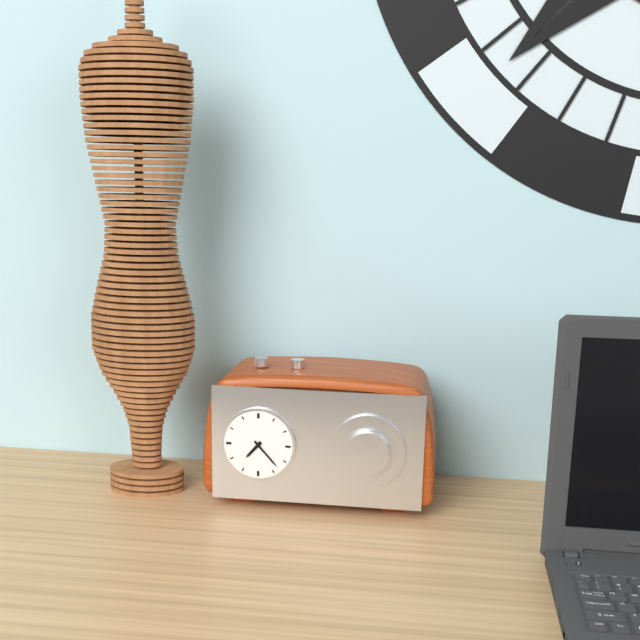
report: 7h23
